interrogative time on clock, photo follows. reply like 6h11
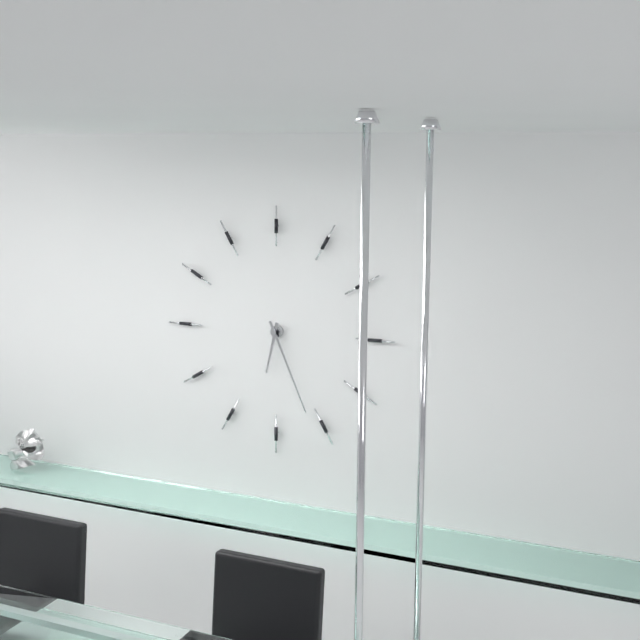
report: 6h26
